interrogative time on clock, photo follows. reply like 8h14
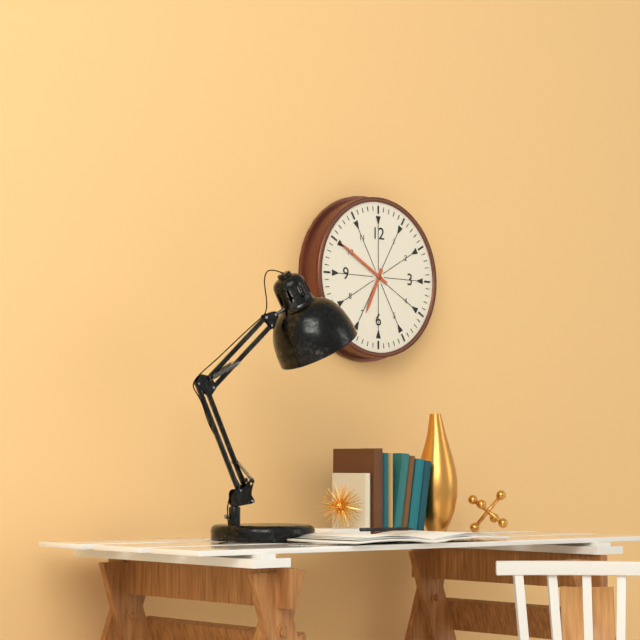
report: 6h50
